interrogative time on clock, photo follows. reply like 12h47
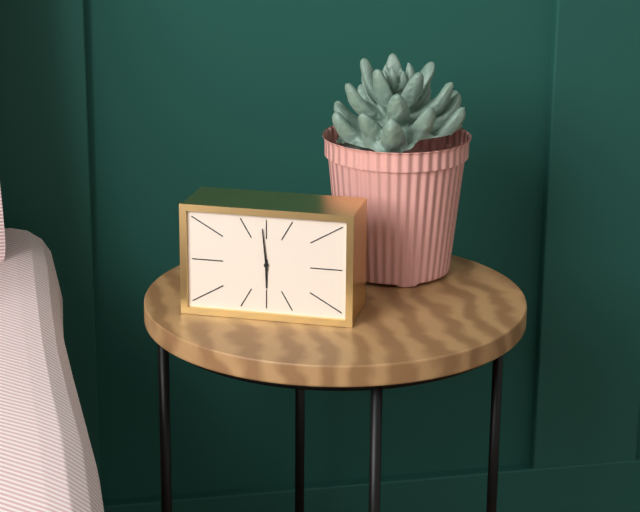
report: 5h59
